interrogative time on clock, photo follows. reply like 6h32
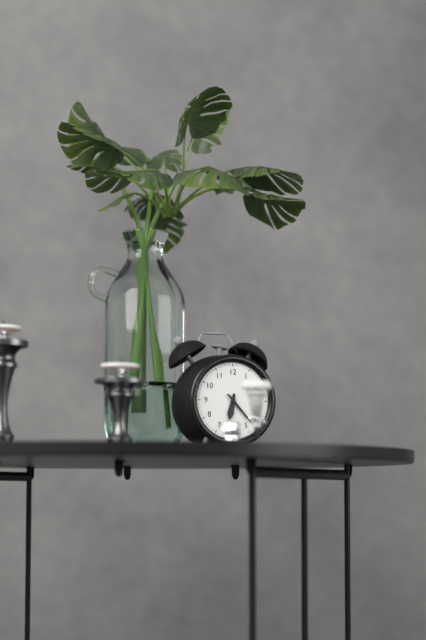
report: 6h23
